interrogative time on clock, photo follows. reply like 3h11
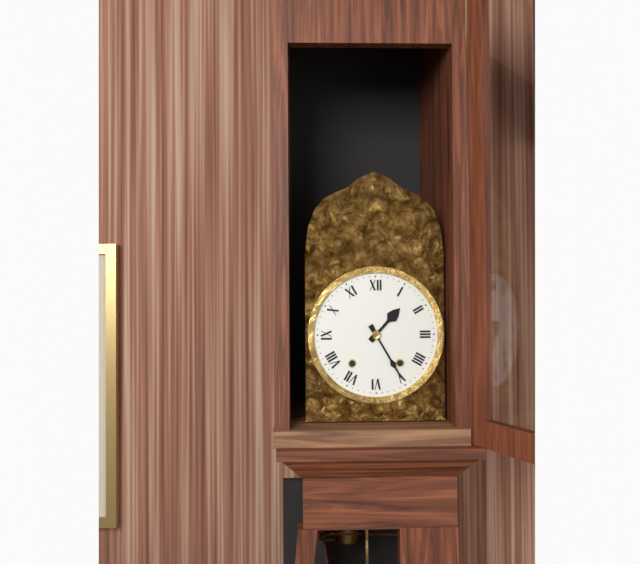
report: 1h25
